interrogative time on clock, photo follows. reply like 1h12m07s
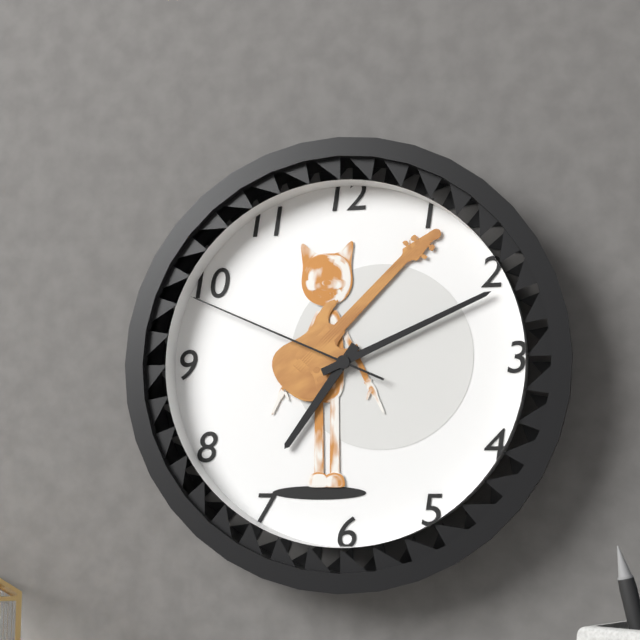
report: 7h11m49s
